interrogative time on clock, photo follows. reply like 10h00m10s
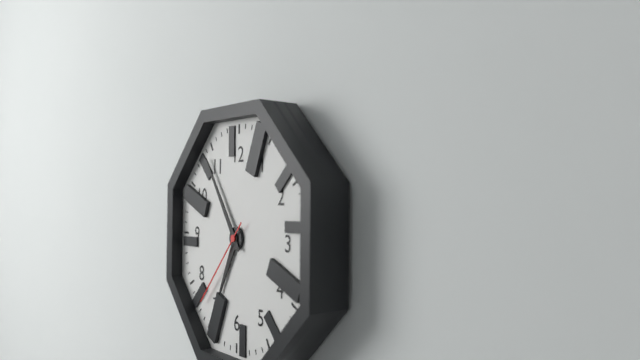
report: 6h54m37s
